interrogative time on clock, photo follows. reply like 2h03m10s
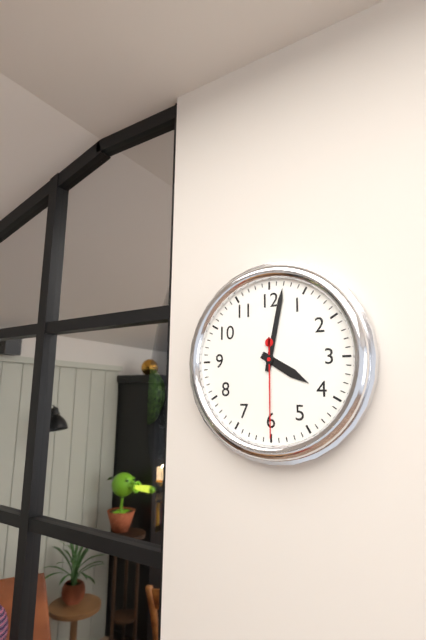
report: 4h02m30s
